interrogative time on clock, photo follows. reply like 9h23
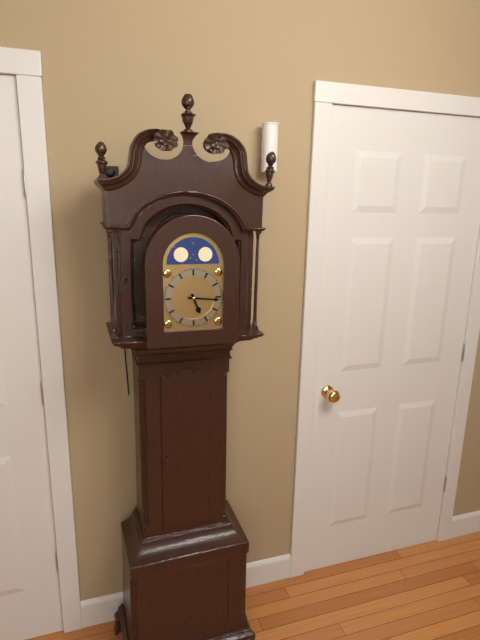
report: 5h16
